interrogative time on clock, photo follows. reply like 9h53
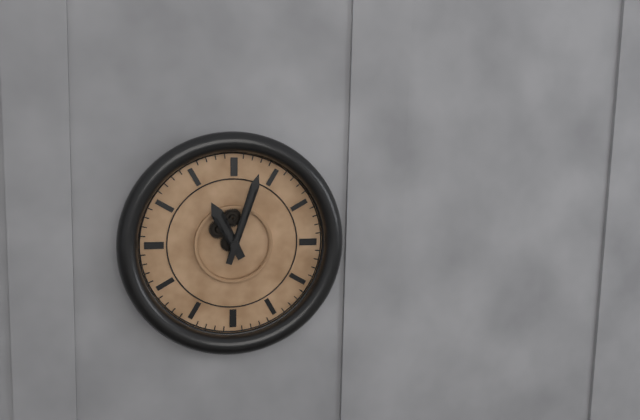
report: 11h03
